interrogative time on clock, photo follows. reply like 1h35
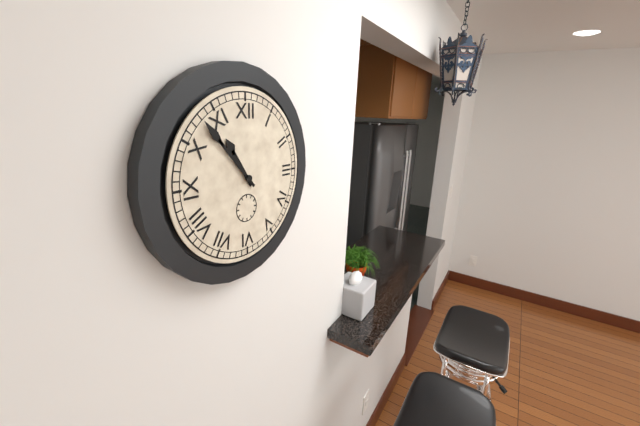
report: 10h53
